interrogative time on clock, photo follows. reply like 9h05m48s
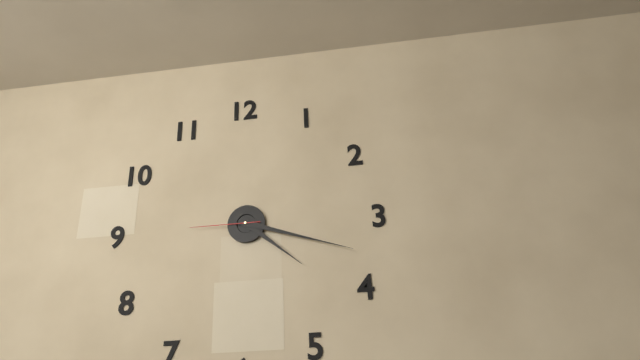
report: 4h18m45s
